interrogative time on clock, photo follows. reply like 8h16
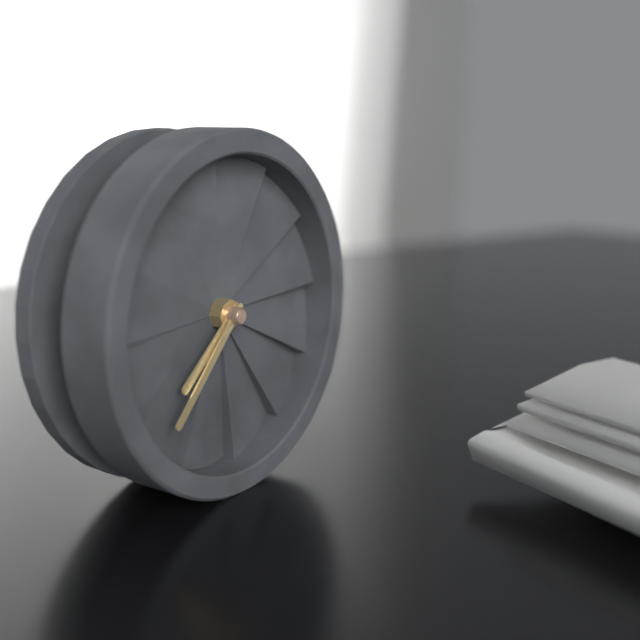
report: 7h37
